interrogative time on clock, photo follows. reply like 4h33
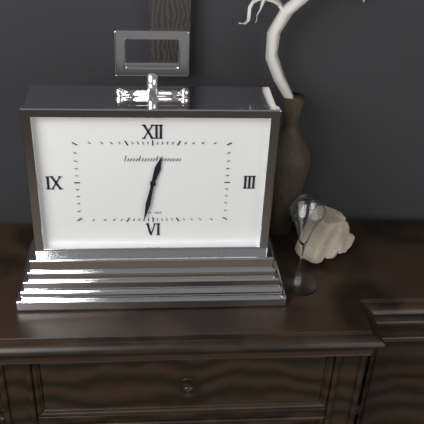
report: 12h32
